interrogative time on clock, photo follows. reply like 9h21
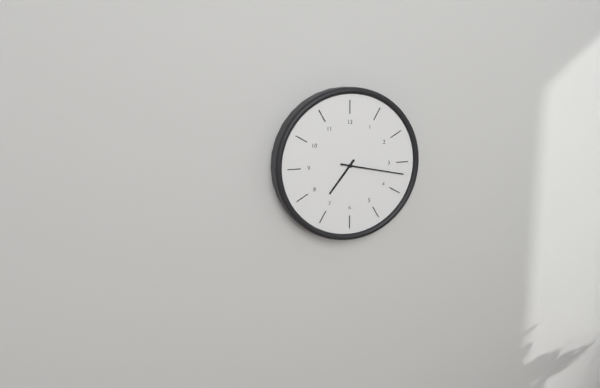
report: 7h17
